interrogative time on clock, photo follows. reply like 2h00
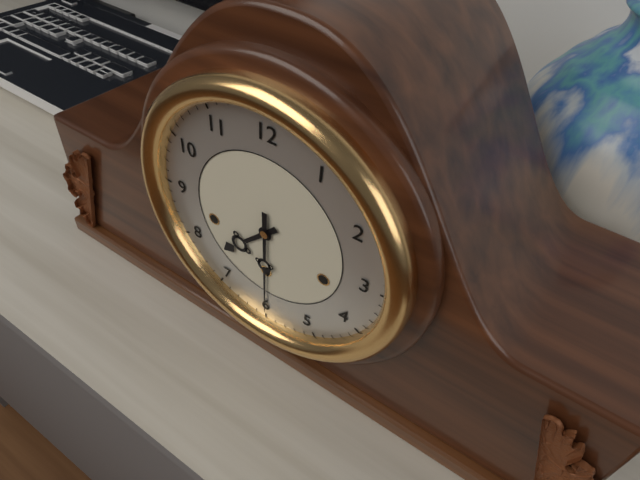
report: 7h30
